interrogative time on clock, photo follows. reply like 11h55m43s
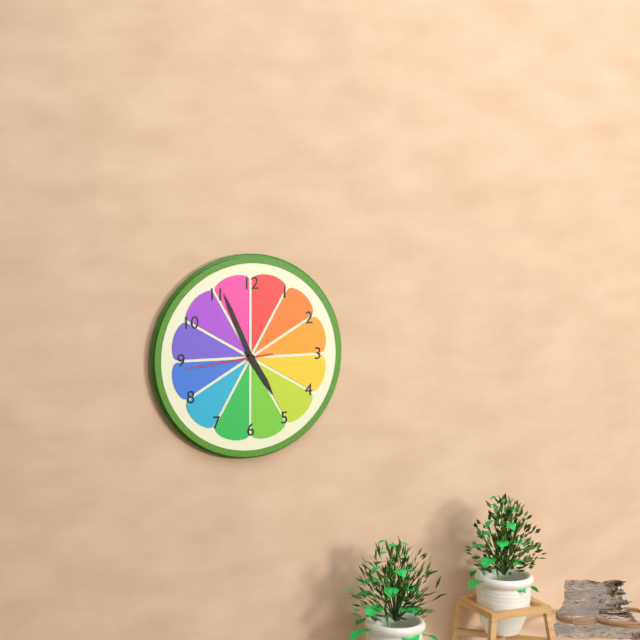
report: 4h56m44s
